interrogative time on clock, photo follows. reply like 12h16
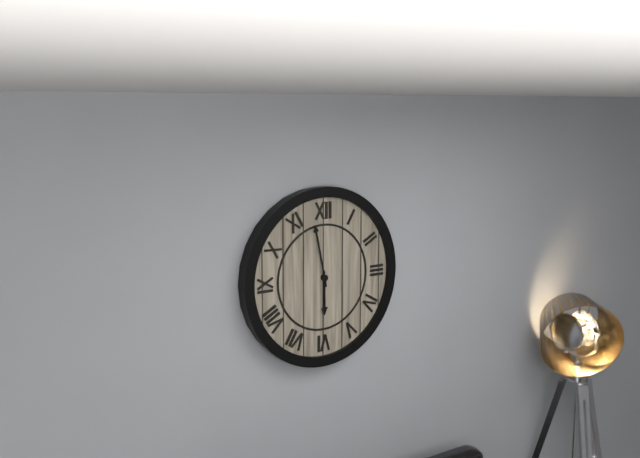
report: 5h58
